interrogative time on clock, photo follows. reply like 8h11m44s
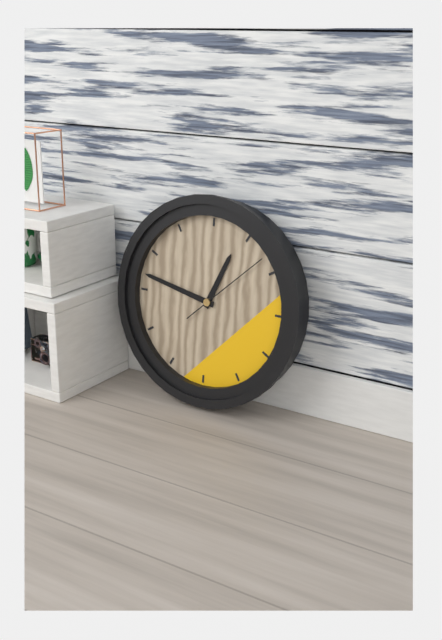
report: 12h47m08s
